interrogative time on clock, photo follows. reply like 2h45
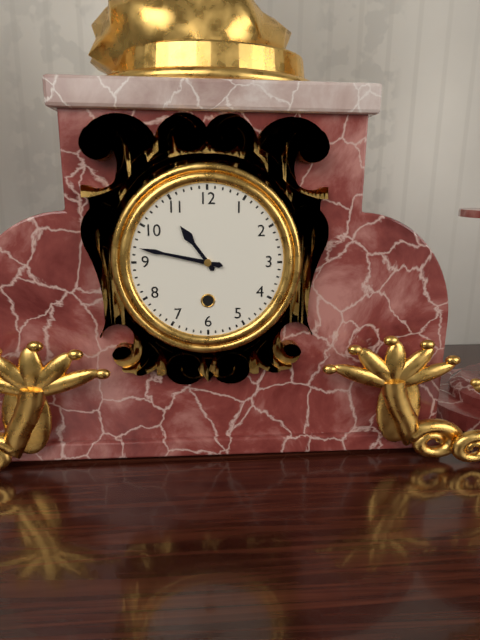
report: 10h47
